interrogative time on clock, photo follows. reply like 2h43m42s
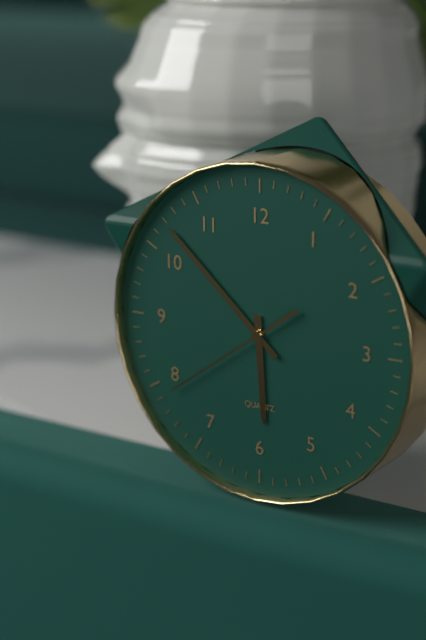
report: 5h52m39s
